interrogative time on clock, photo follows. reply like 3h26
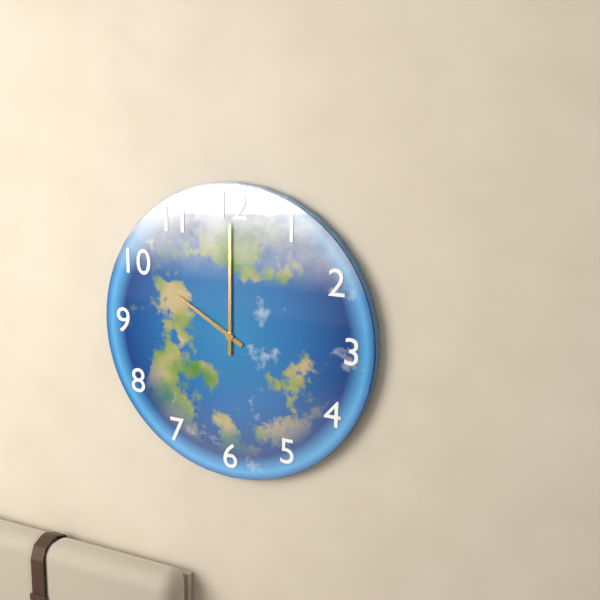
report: 10h00
